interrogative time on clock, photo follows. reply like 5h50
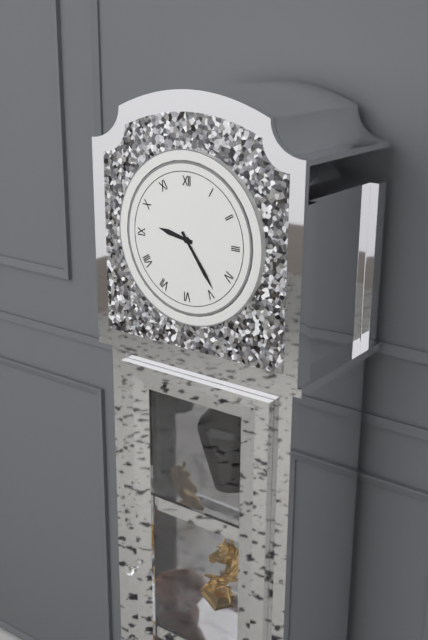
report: 9h24
